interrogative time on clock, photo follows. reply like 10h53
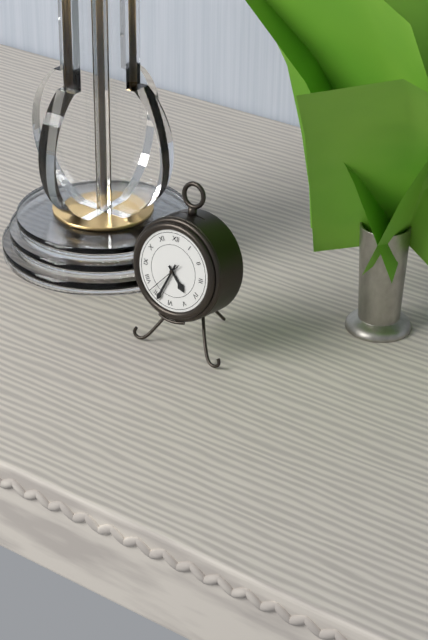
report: 4h34
